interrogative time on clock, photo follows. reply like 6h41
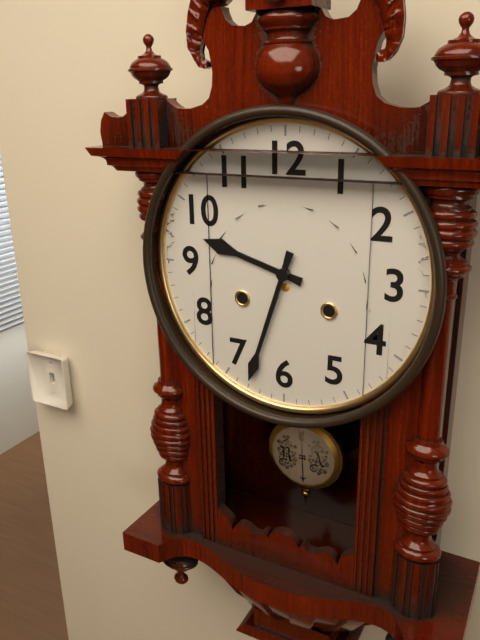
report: 9h33
